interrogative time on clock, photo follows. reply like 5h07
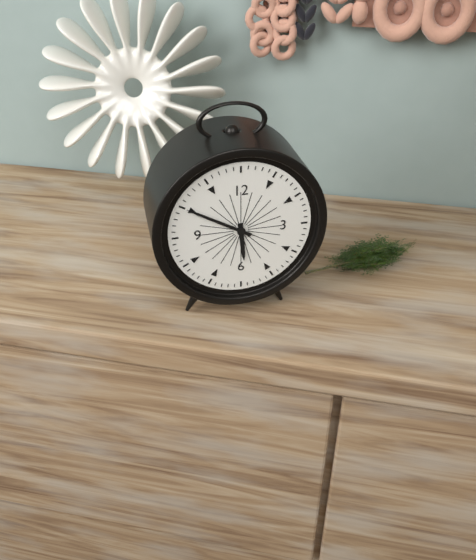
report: 5h50
